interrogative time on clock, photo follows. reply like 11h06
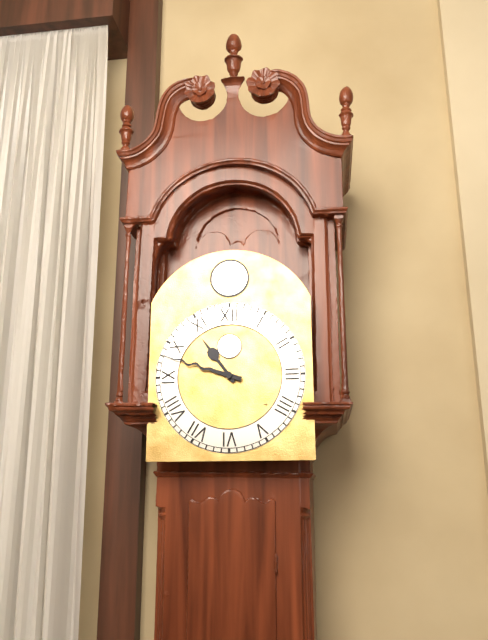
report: 10h48
